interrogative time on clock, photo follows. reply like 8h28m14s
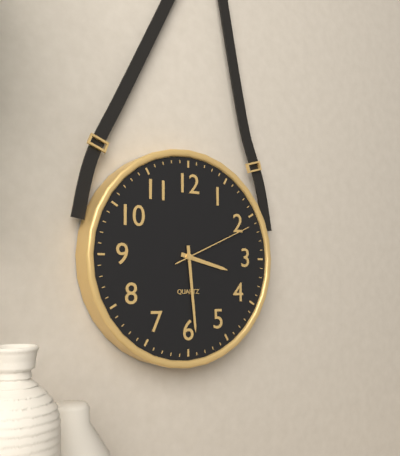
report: 3h29m11s
